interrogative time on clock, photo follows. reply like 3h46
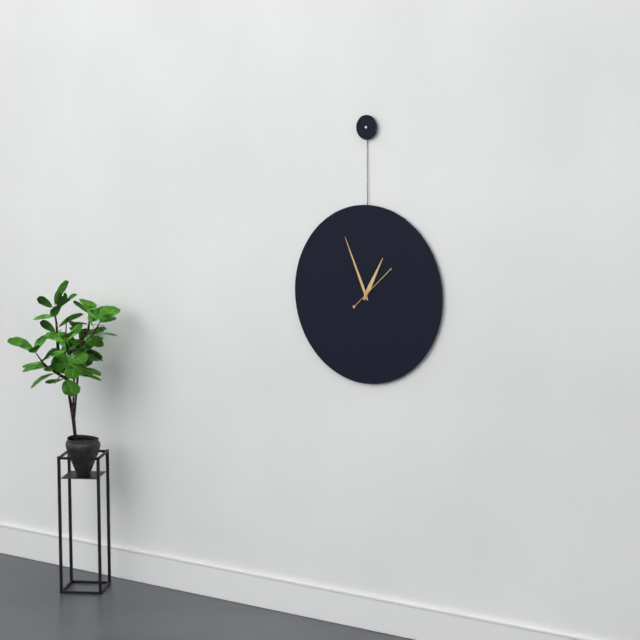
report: 12h56
